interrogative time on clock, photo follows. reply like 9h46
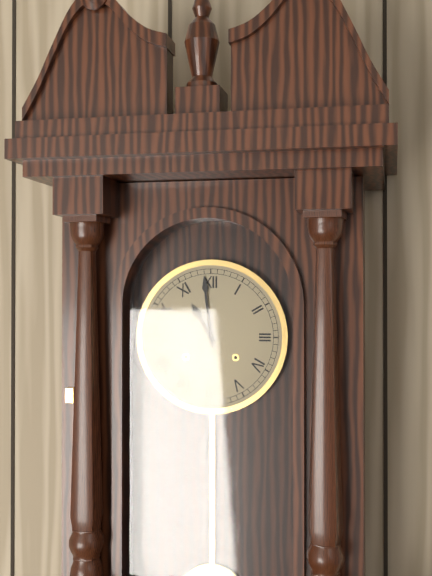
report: 10h59
